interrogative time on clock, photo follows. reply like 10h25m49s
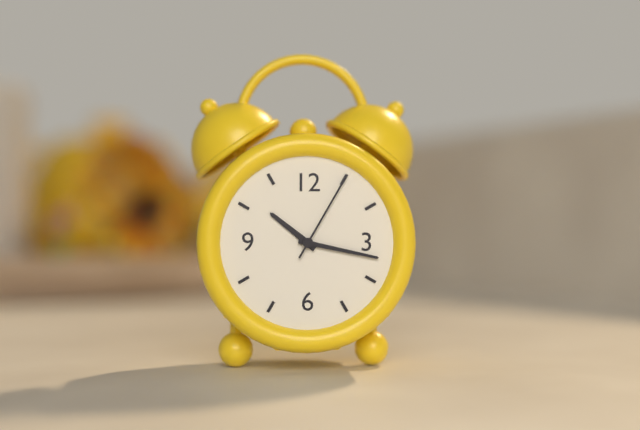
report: 10h17m05s
